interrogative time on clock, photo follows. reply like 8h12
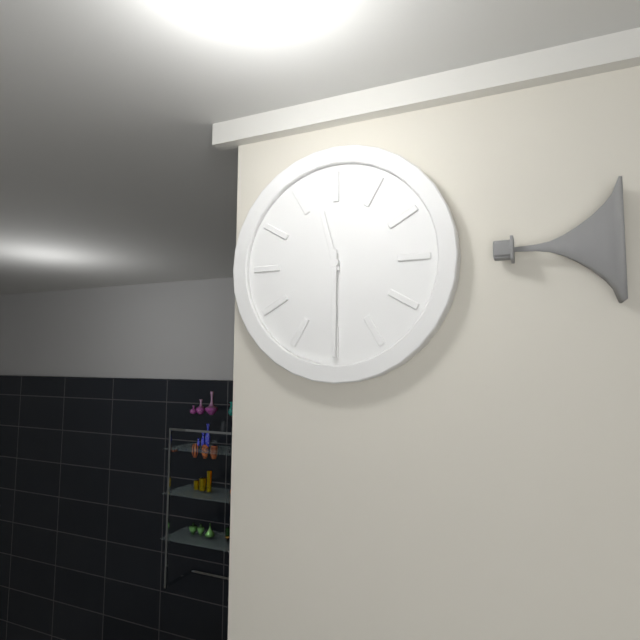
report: 11h30
